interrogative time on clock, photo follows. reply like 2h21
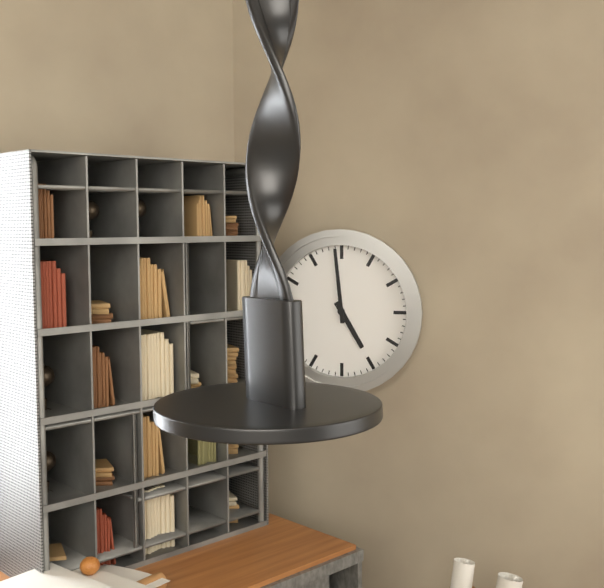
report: 4h59
